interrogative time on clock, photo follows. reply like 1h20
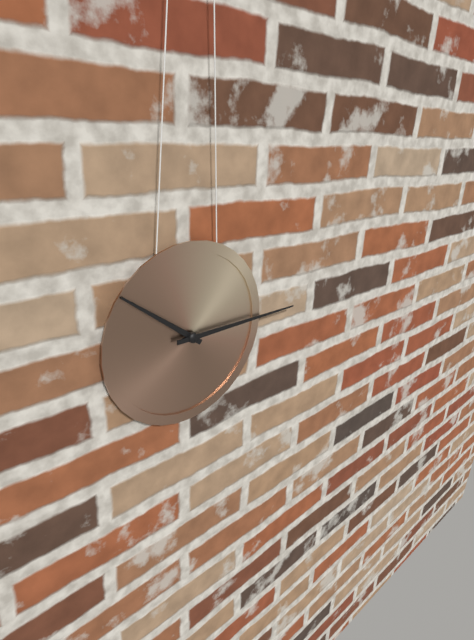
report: 10h15
